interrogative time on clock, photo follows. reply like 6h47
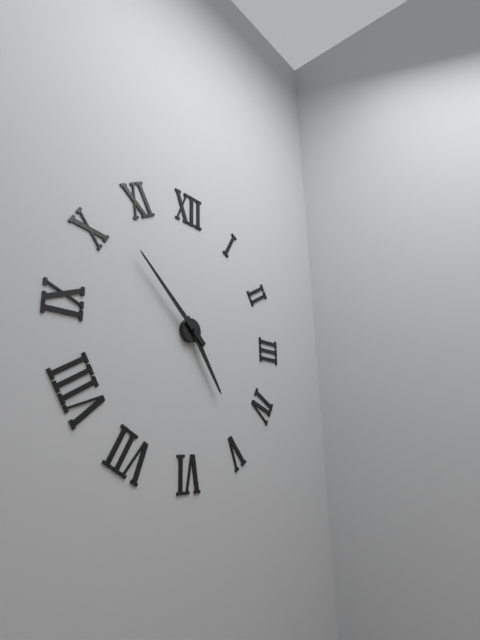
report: 4h52
